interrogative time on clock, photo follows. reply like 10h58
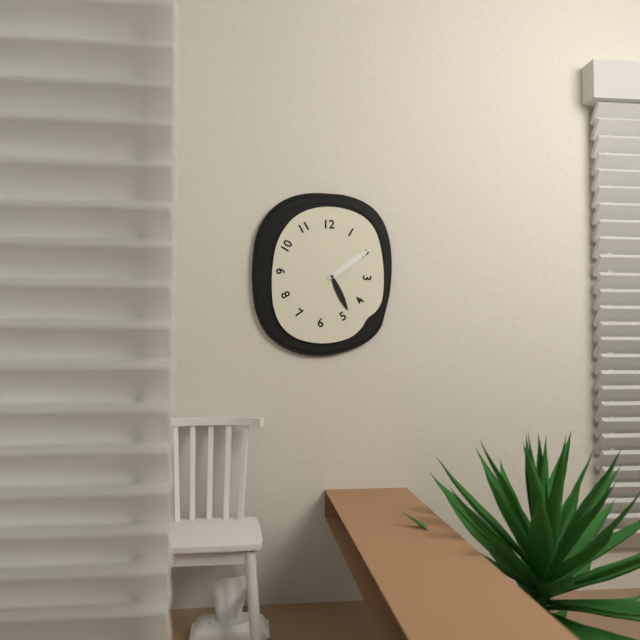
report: 5h09
